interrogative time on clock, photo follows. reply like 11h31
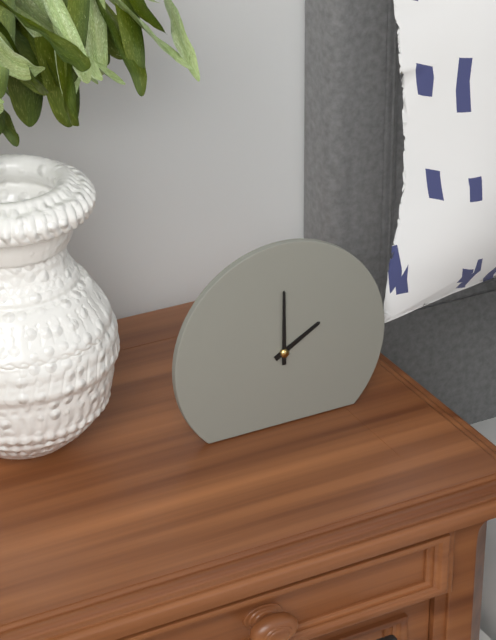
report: 2h00
